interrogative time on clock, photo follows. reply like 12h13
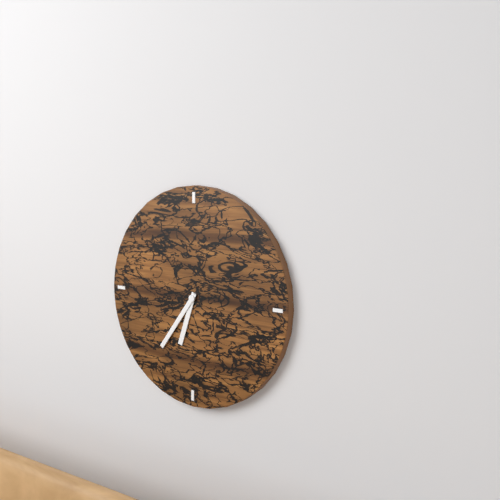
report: 6h36
